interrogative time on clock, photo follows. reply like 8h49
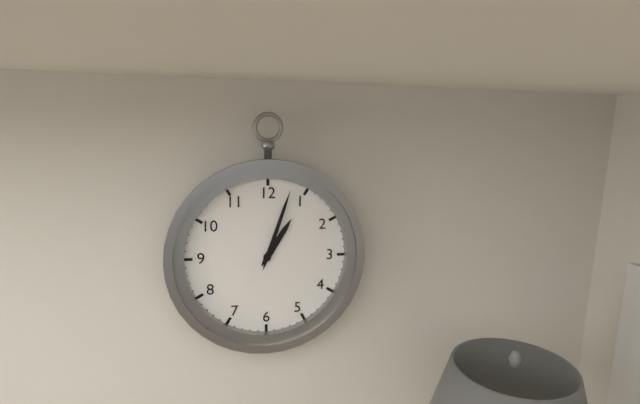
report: 1h03
